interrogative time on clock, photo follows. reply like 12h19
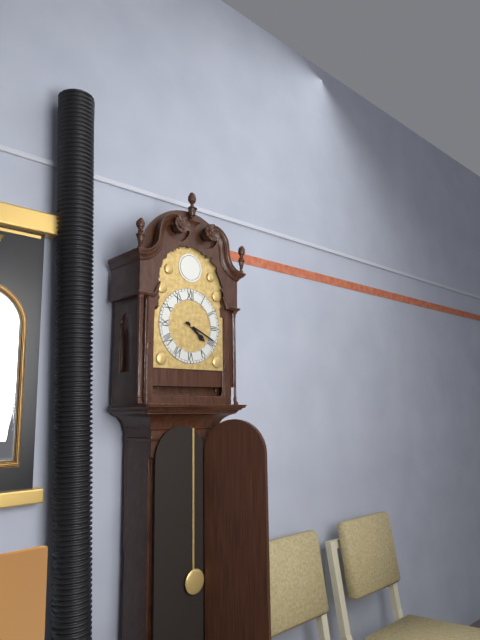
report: 4h19
